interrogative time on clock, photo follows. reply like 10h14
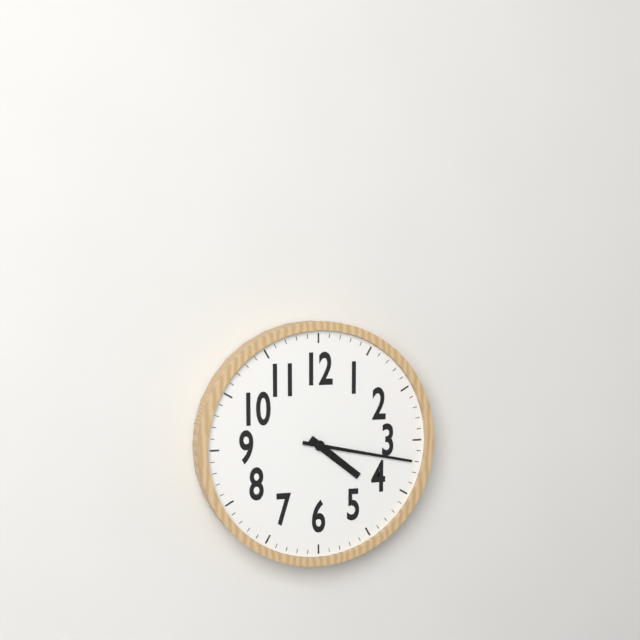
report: 4h17
